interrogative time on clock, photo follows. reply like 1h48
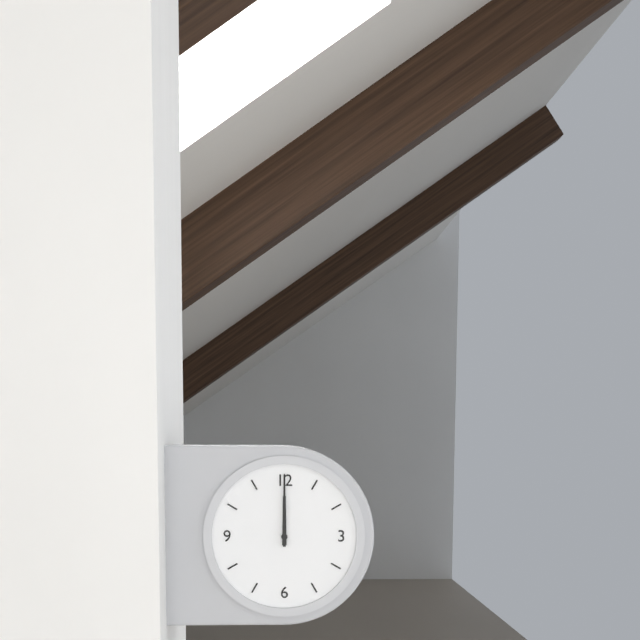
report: 12h00
